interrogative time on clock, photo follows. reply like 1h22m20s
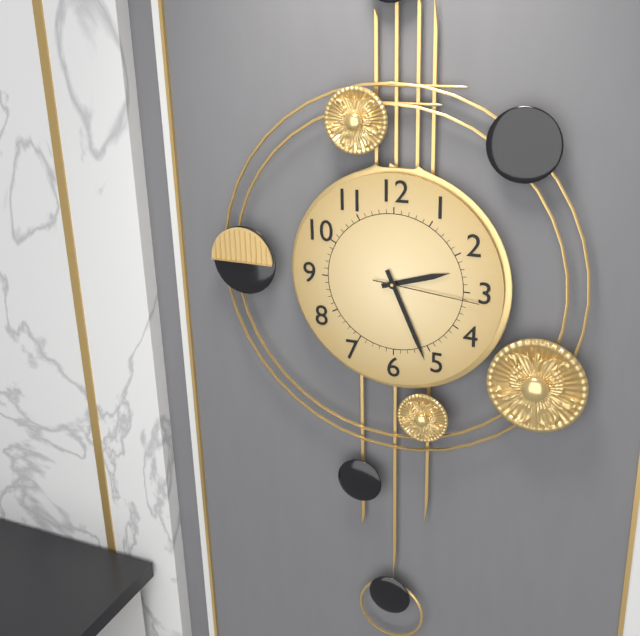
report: 2h26m16s
